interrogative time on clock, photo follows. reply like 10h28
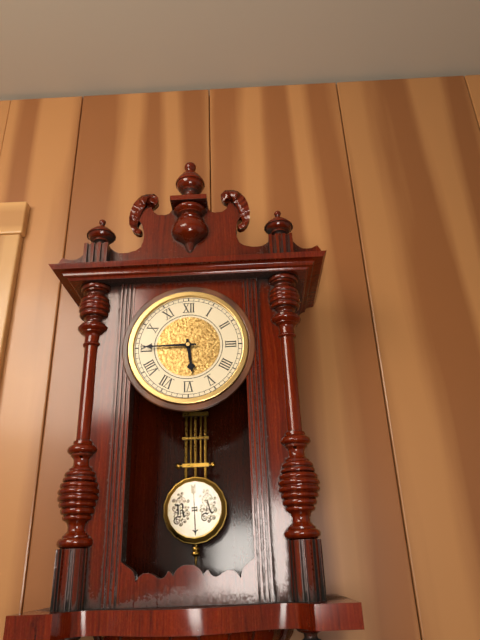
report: 5h45
